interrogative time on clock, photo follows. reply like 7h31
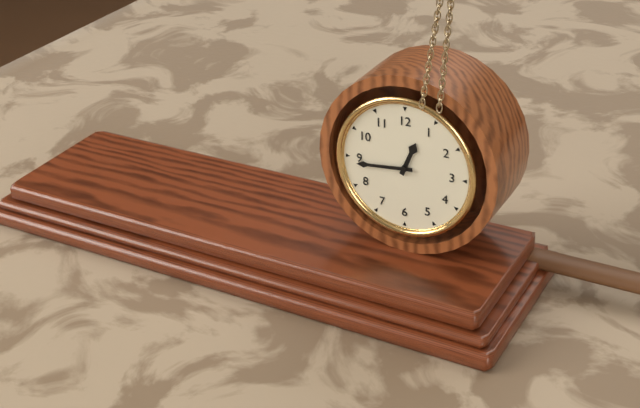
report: 12h44
